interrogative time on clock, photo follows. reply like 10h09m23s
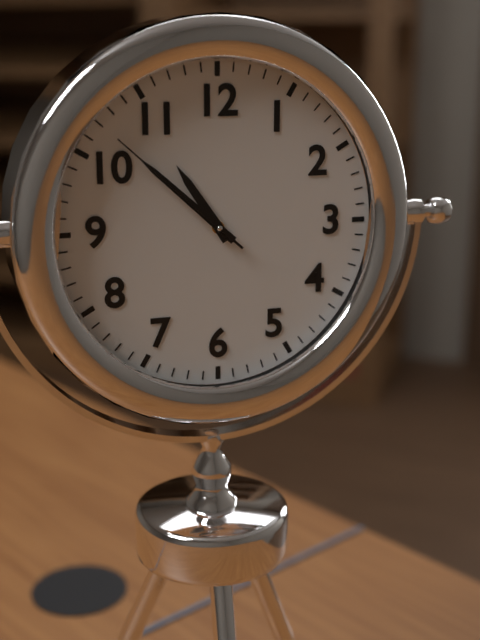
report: 10h52m52s
